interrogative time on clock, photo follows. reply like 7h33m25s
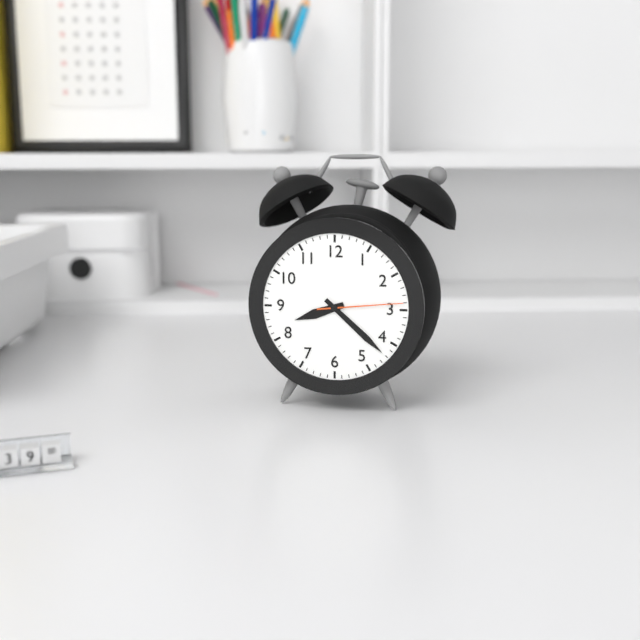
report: 8h22m14s
